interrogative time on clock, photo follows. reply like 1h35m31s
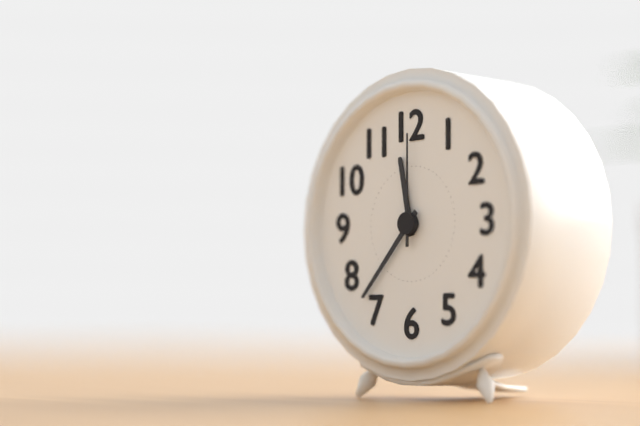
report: 11h37m00s
